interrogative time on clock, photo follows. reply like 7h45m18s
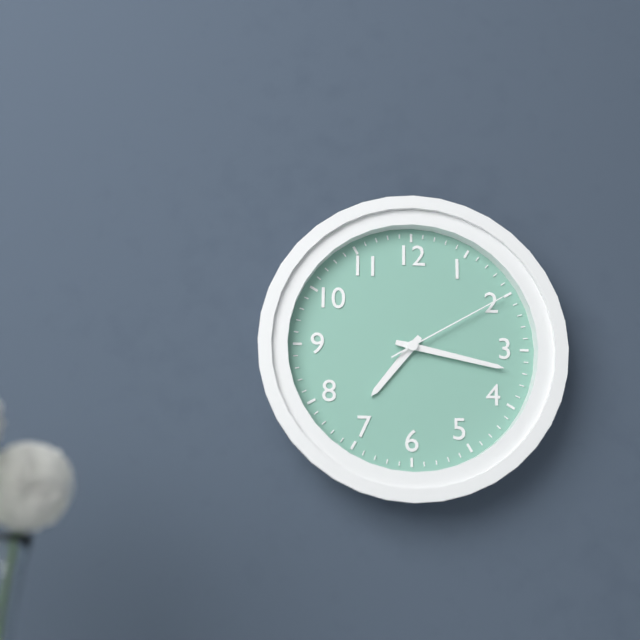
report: 7h17m10s
